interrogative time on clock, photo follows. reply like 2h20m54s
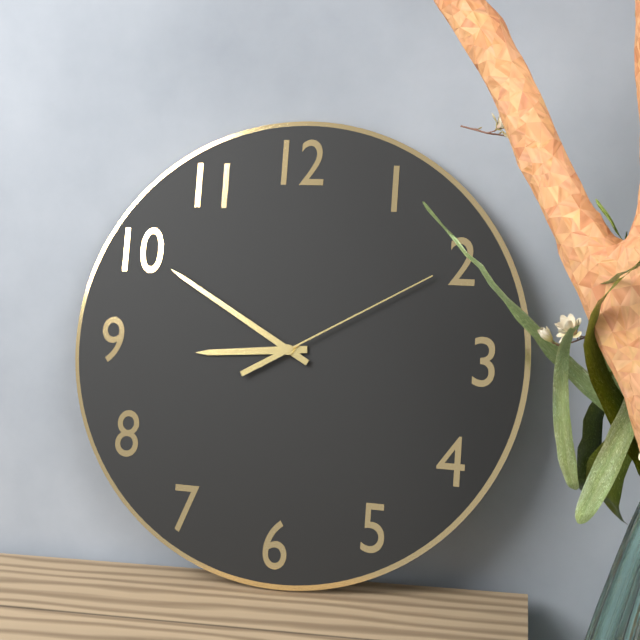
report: 8h50m10s
